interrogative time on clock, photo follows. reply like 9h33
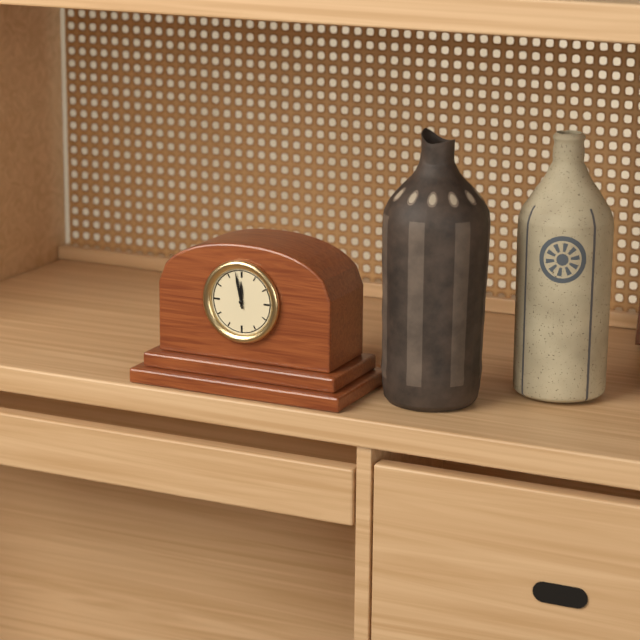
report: 11h58
